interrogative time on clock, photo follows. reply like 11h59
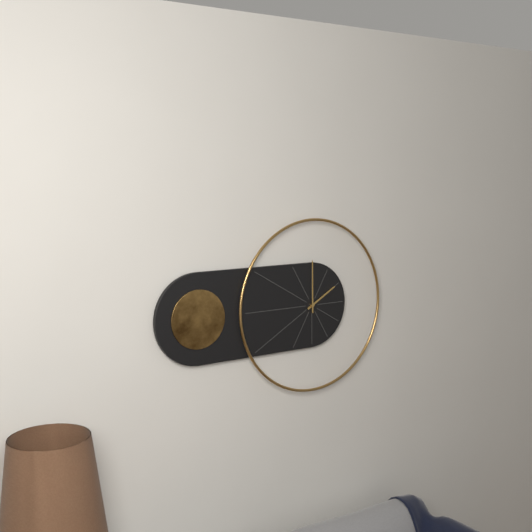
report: 2h00
